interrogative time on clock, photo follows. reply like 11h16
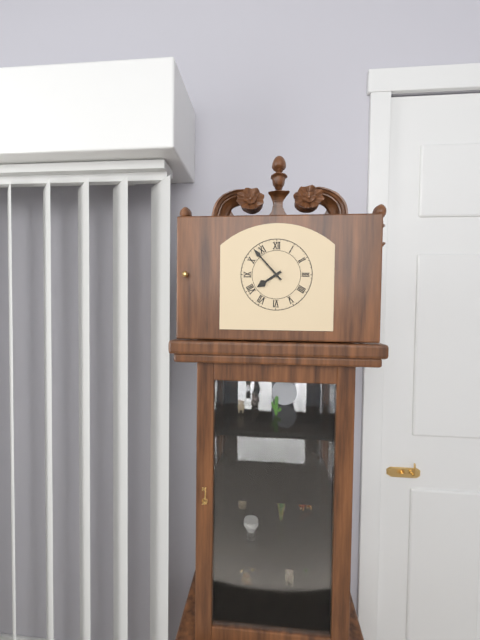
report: 7h53
